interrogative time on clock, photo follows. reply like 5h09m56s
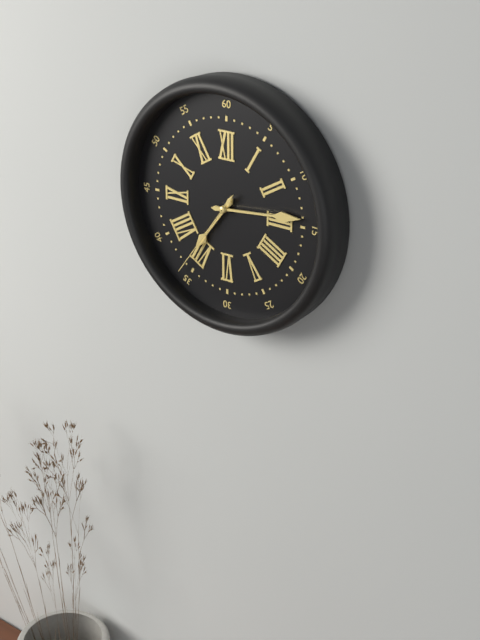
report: 7h14m36s
